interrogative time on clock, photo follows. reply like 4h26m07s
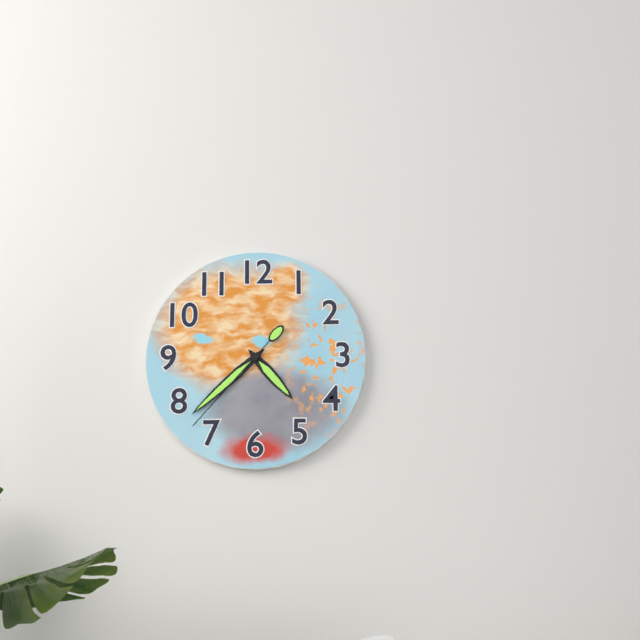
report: 4h38m37s
